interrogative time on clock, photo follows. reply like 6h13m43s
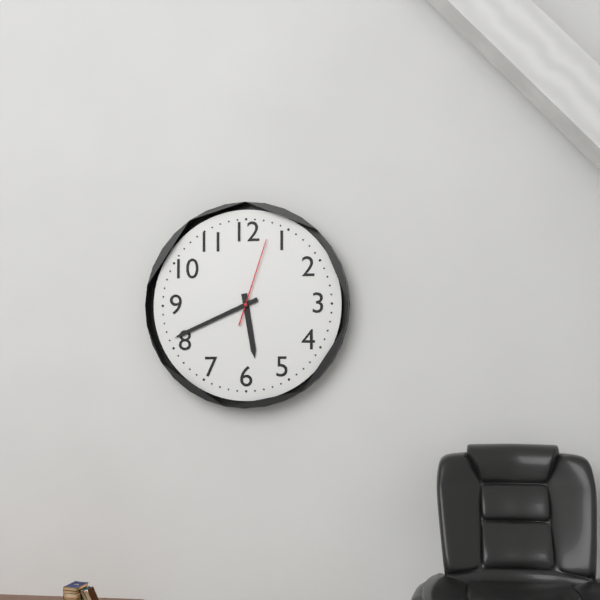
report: 5h41m03s
